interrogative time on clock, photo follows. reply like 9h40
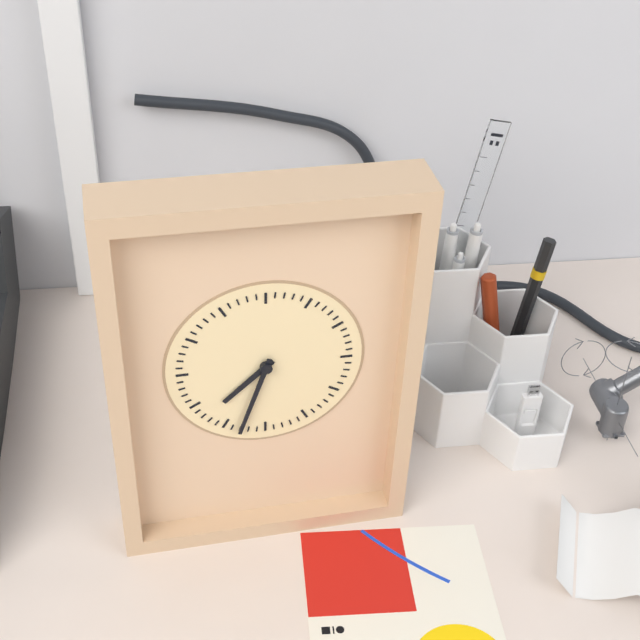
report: 7h33
